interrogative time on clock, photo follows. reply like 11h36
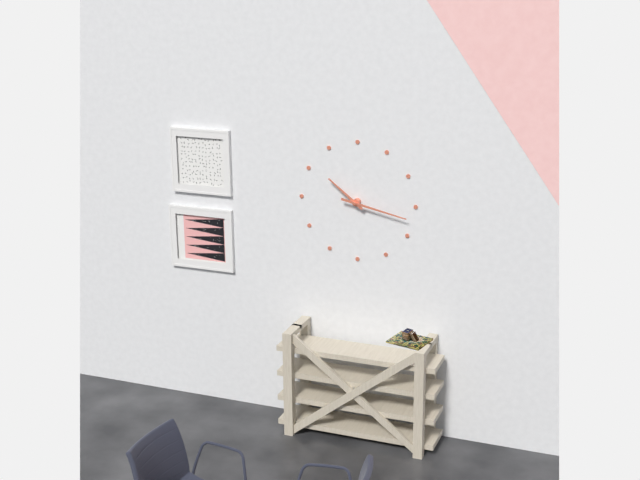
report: 10h17
